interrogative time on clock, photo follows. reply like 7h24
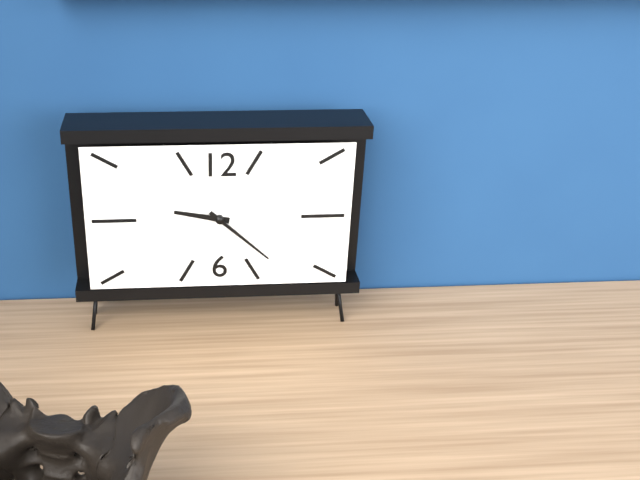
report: 9h22
